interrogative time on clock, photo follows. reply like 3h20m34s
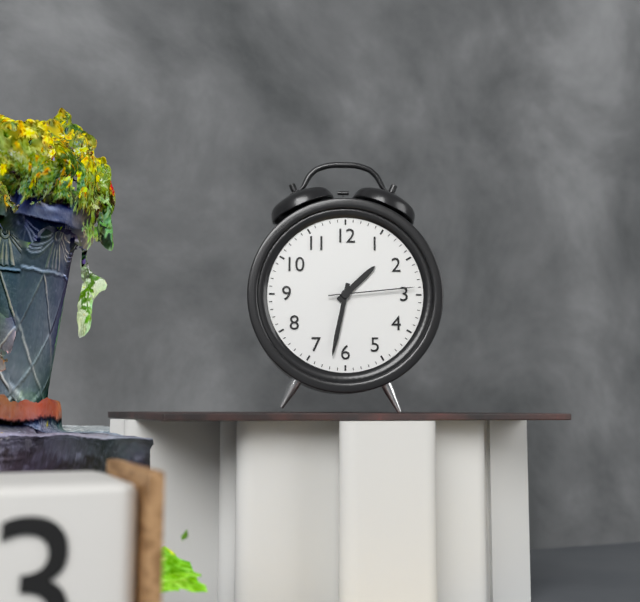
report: 1h32m14s
